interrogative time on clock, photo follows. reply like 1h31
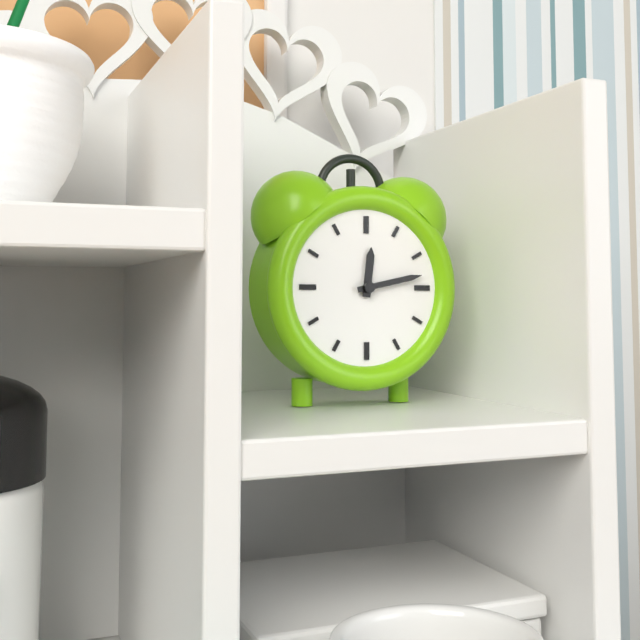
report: 12h13
